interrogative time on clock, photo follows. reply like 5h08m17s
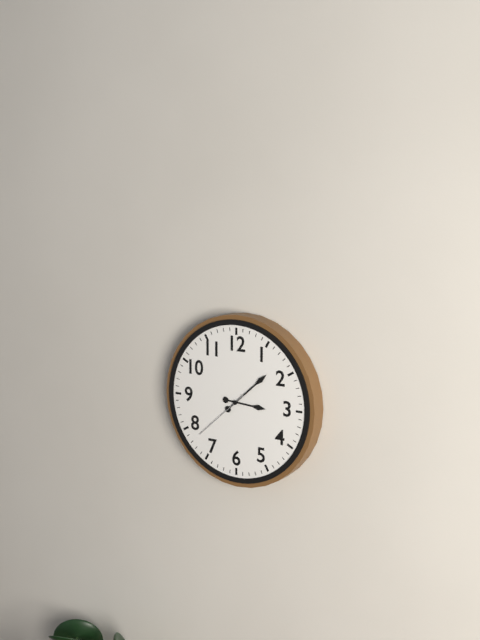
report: 3h08m38s
